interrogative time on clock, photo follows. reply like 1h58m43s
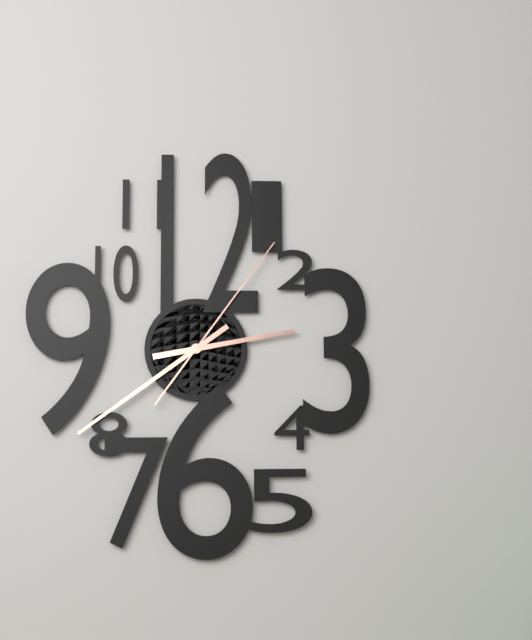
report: 2h39m06s
